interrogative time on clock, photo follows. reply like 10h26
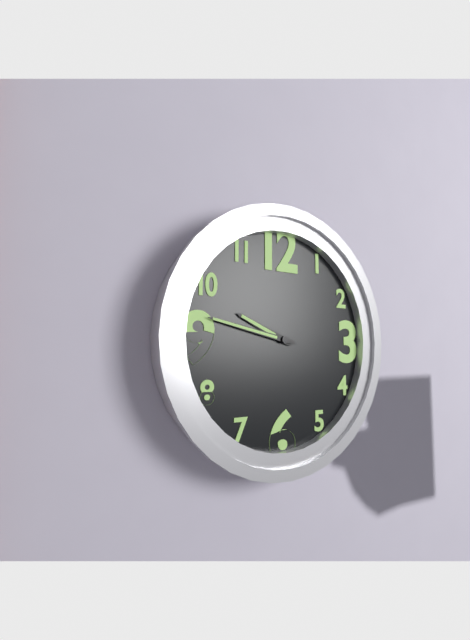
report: 9h47
